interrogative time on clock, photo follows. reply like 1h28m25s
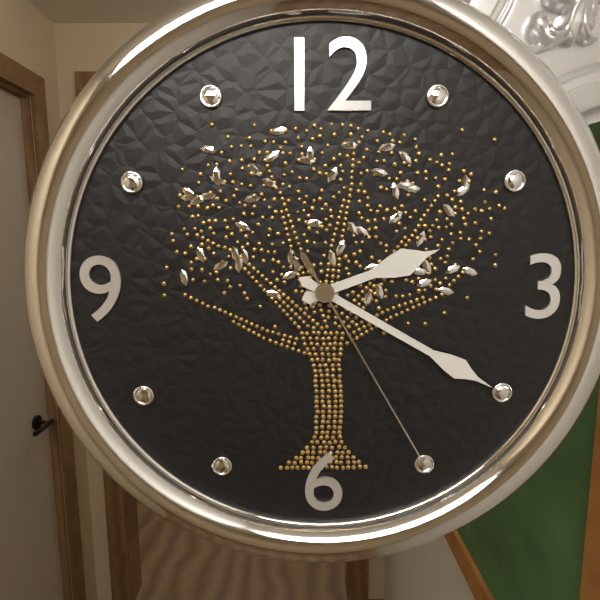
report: 2h20m25s
